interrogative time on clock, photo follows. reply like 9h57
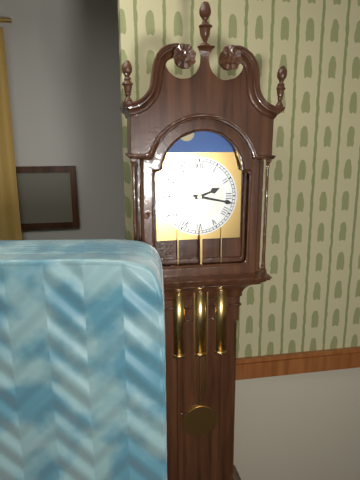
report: 2h17
